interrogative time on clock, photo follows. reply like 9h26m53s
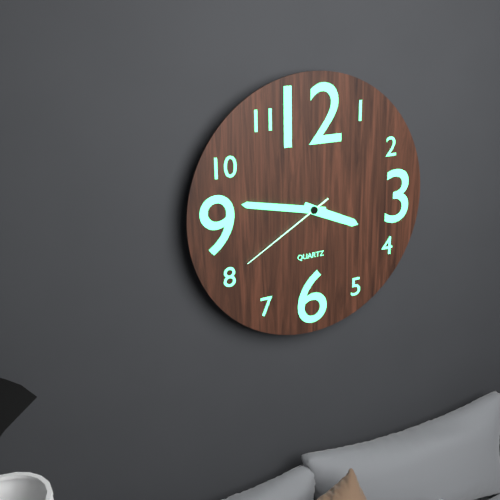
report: 3h47m40s
